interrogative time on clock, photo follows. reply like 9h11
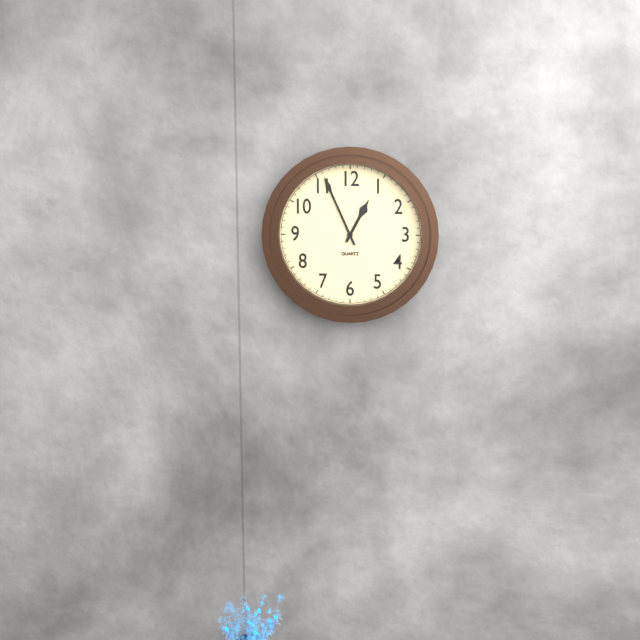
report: 12h56
